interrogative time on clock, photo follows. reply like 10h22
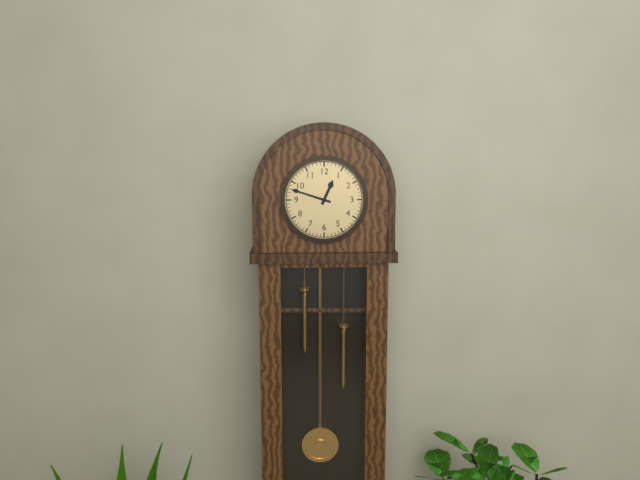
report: 12h48
